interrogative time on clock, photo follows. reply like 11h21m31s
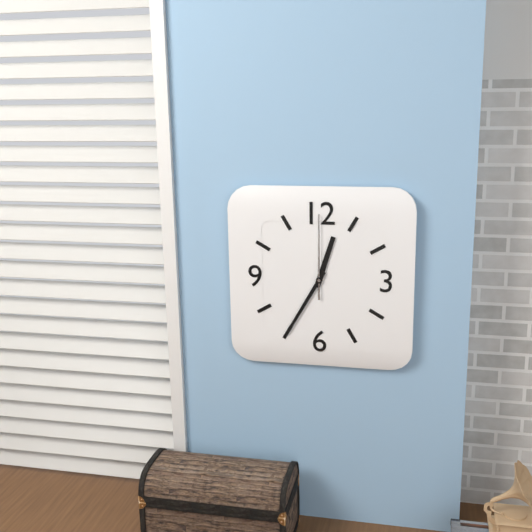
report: 12h35m00s
